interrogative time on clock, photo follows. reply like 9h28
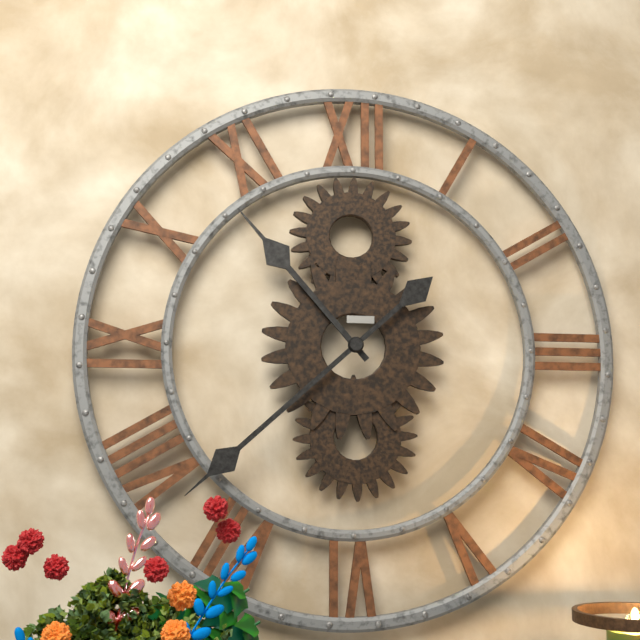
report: 10h38
